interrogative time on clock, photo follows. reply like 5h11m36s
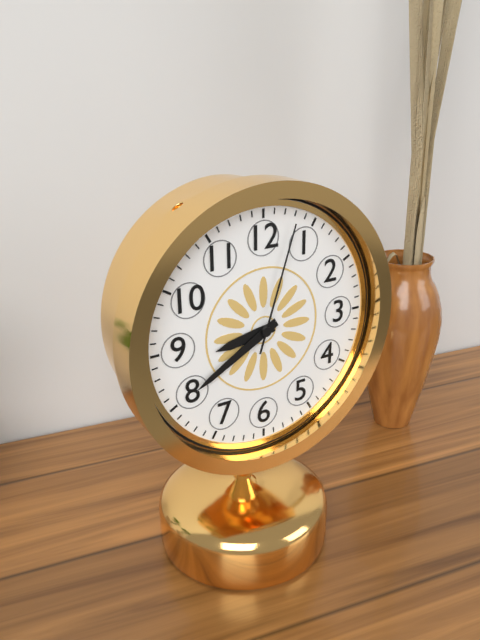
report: 8h40m03s
